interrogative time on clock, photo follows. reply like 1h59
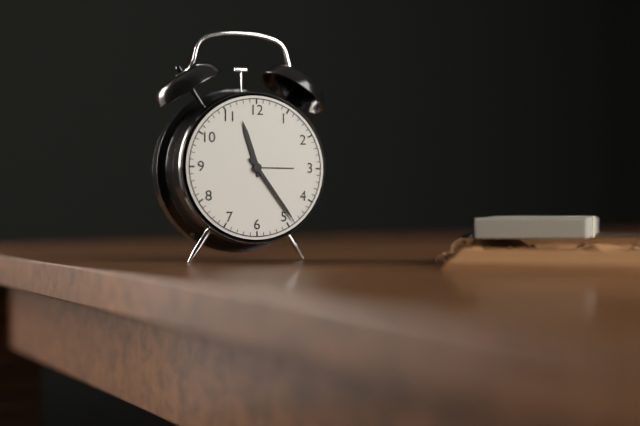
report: 11h24
